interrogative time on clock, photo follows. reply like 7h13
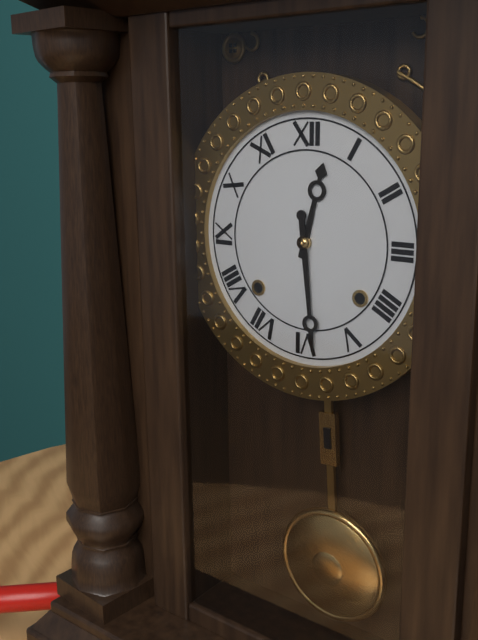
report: 12h29
